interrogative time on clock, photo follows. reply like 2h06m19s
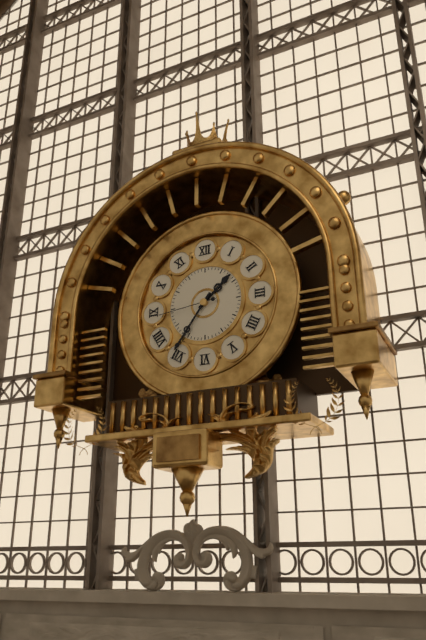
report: 1h36m44s
